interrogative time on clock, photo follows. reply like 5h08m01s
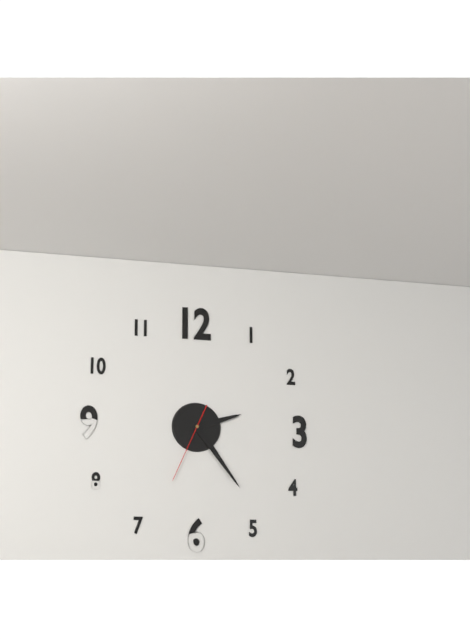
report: 2h24m34s
